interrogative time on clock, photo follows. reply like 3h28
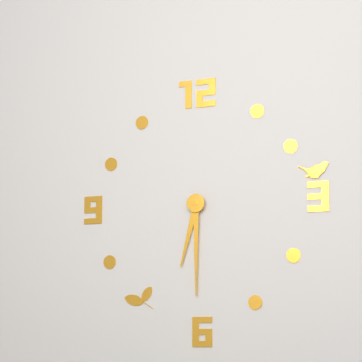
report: 6h30
